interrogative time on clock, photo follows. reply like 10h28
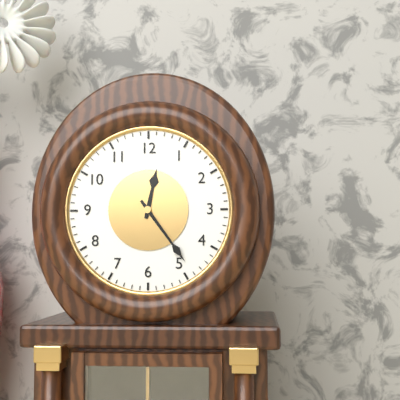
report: 12h24
